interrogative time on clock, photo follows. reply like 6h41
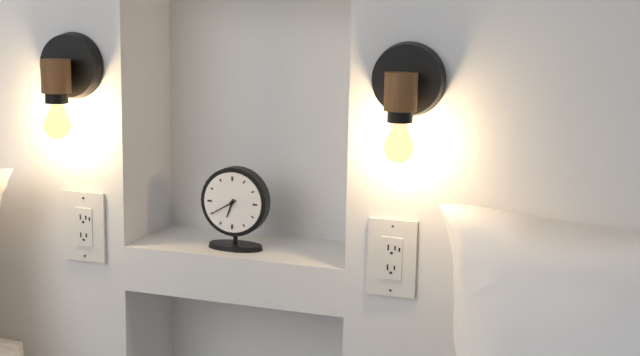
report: 6h40
